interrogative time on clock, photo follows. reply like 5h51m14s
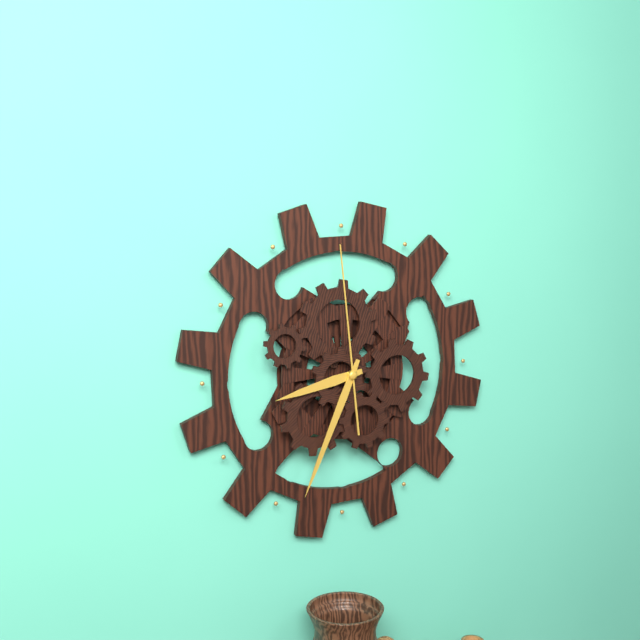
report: 8h34m59s
